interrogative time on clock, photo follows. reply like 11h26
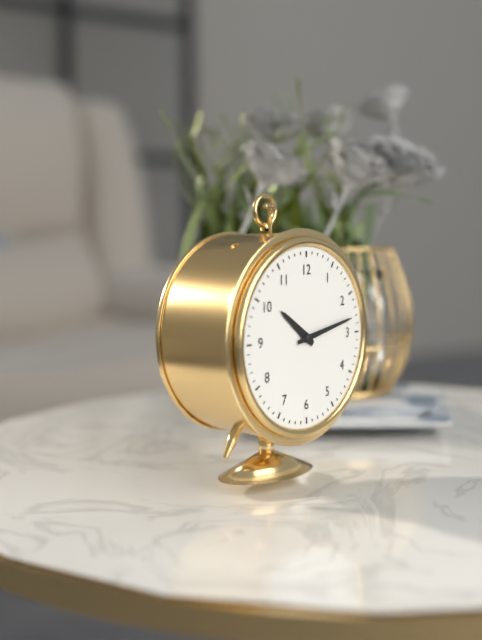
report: 10h13
